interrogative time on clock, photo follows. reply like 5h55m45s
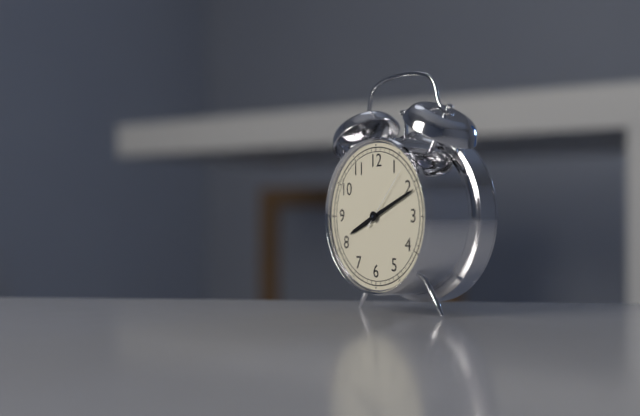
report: 8h11m07s
